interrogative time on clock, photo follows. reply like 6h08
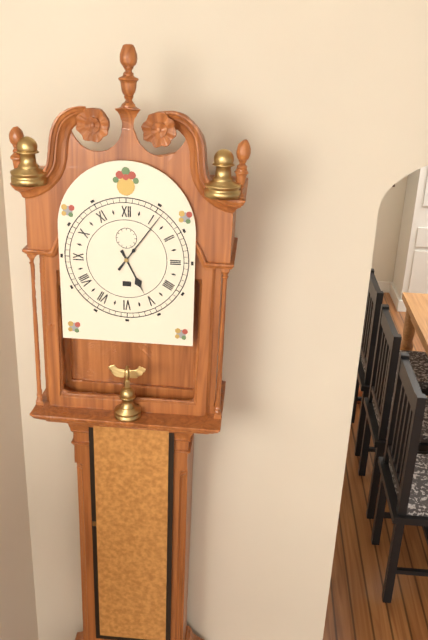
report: 5h06
